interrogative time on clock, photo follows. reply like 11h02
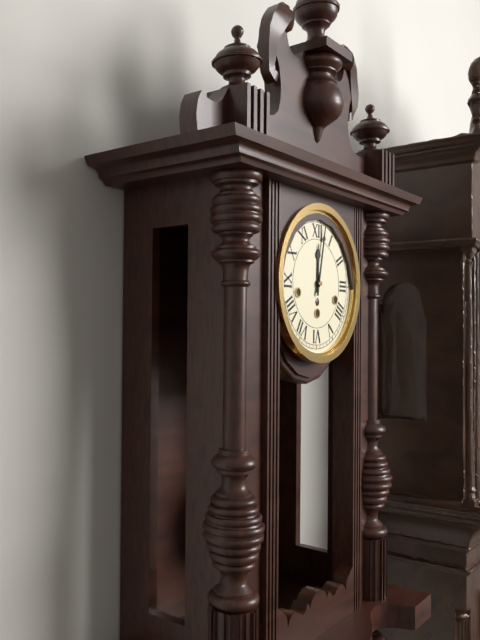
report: 12h02
